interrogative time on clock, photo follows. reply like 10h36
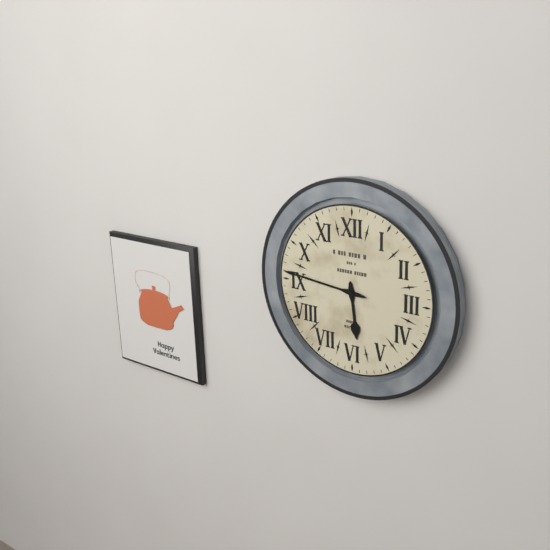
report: 5h46
